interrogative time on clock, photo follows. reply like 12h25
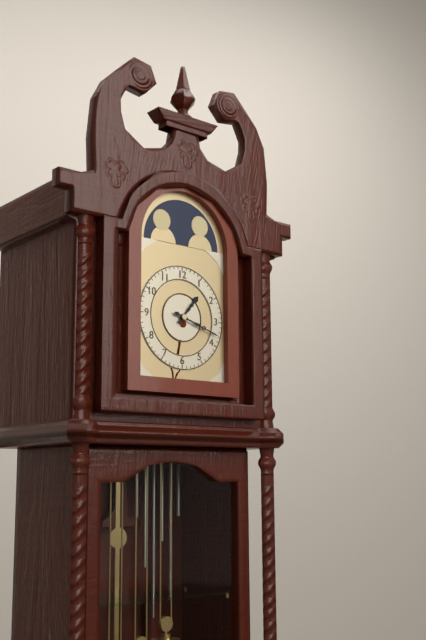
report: 1h18
